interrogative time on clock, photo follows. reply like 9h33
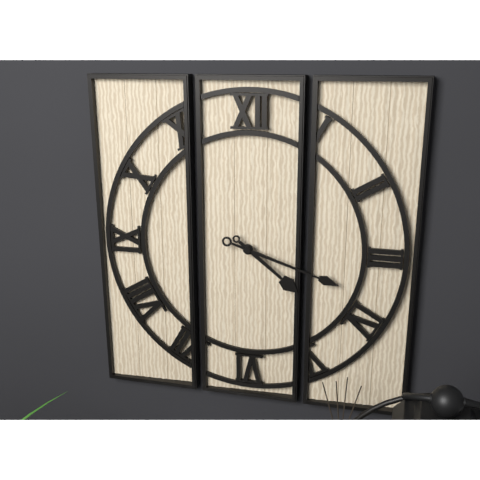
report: 4h18
